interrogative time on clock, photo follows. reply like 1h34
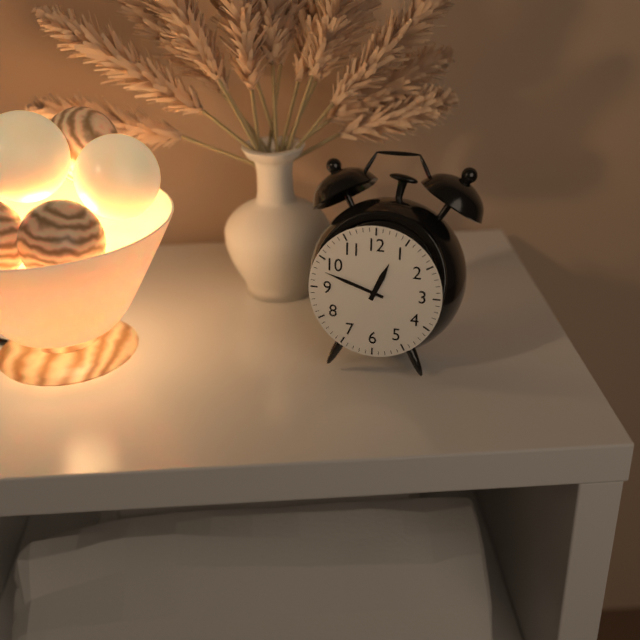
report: 12h48
